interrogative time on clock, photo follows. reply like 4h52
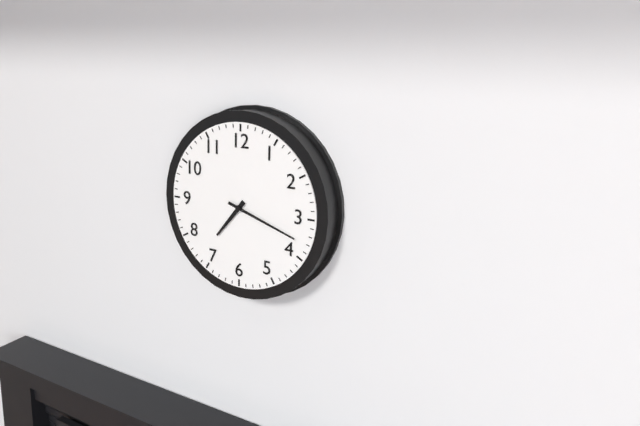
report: 7h18
